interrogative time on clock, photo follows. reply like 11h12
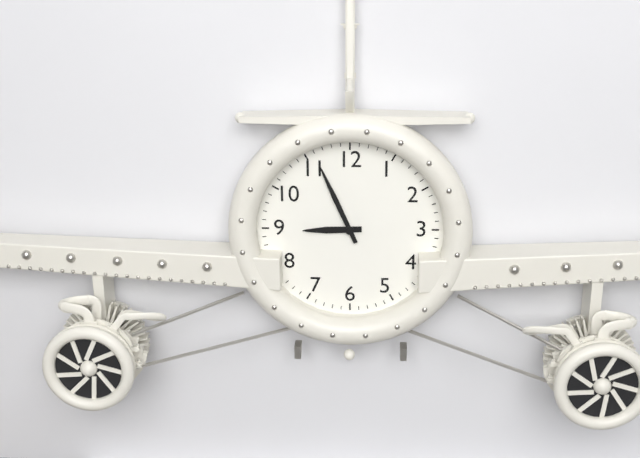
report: 8h56
